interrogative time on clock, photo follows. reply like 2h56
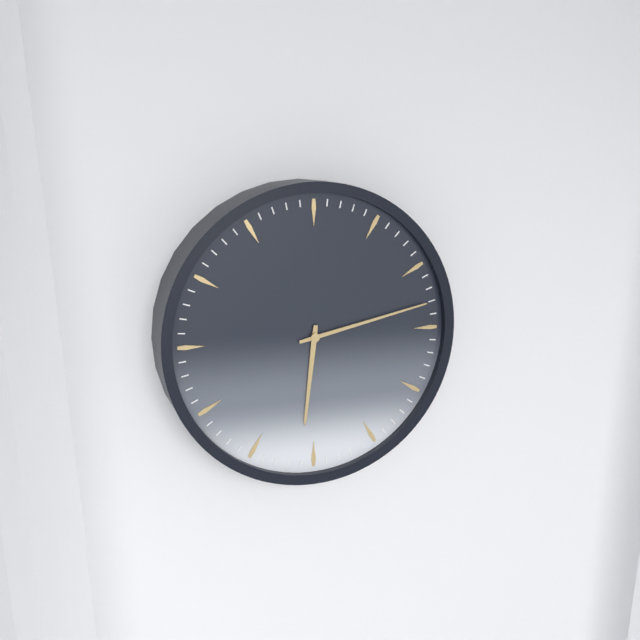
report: 6h13
